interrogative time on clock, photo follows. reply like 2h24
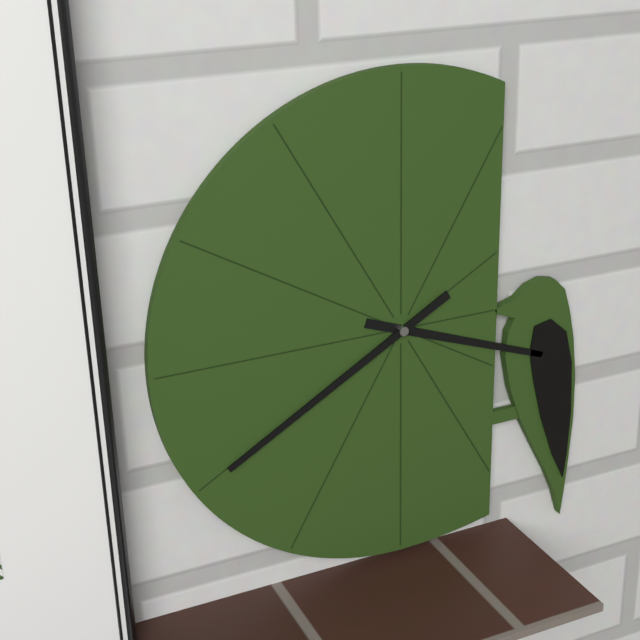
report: 3h40
